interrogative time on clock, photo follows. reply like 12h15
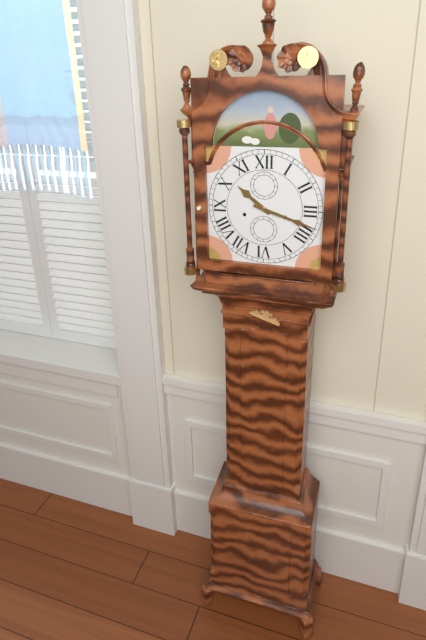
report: 10h18
